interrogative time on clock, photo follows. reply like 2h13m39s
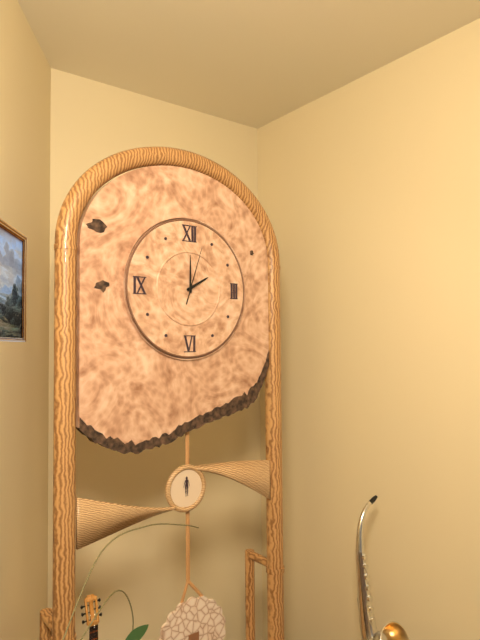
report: 2h00m03s
